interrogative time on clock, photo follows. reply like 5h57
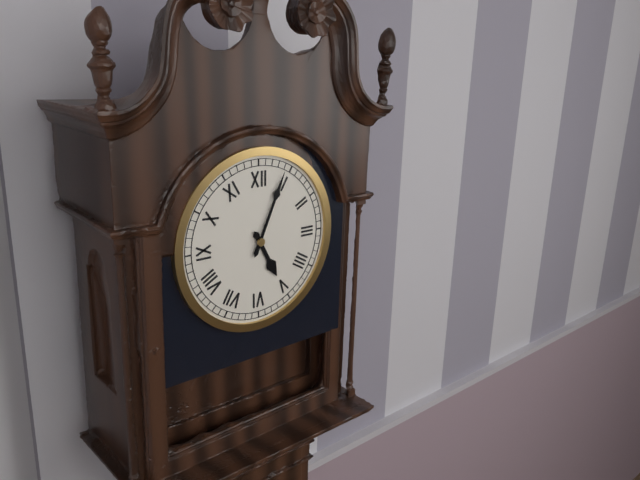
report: 5h04
